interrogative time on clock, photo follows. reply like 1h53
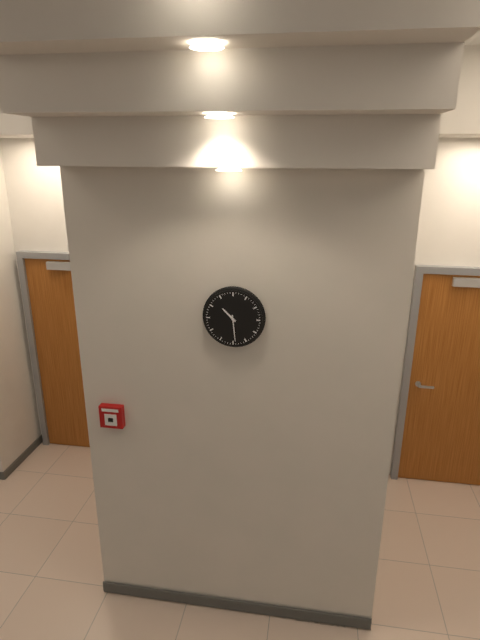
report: 10h29
